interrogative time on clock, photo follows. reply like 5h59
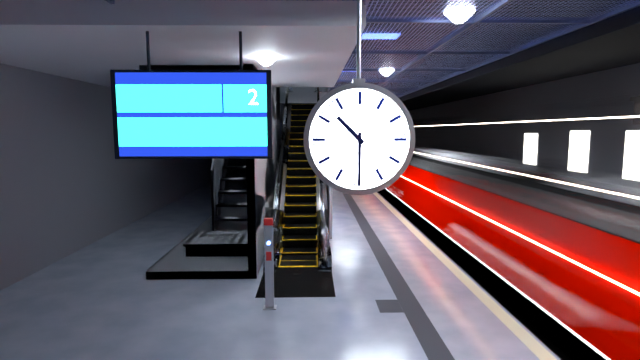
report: 10h30
